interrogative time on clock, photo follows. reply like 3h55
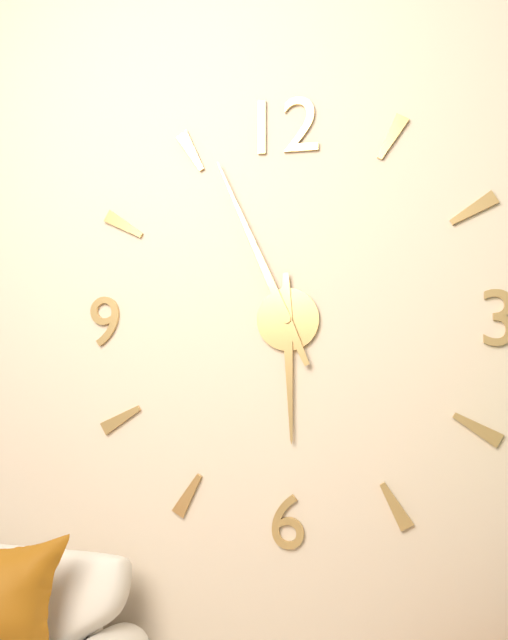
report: 5h56
